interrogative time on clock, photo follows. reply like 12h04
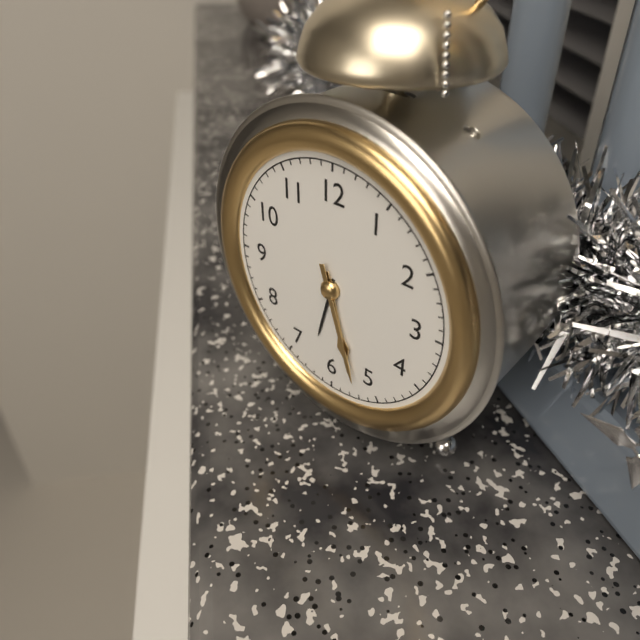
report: 5h27
